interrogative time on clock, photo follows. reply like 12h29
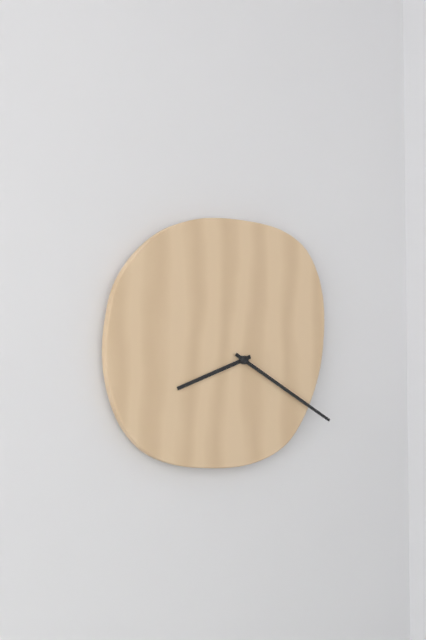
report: 8h20
